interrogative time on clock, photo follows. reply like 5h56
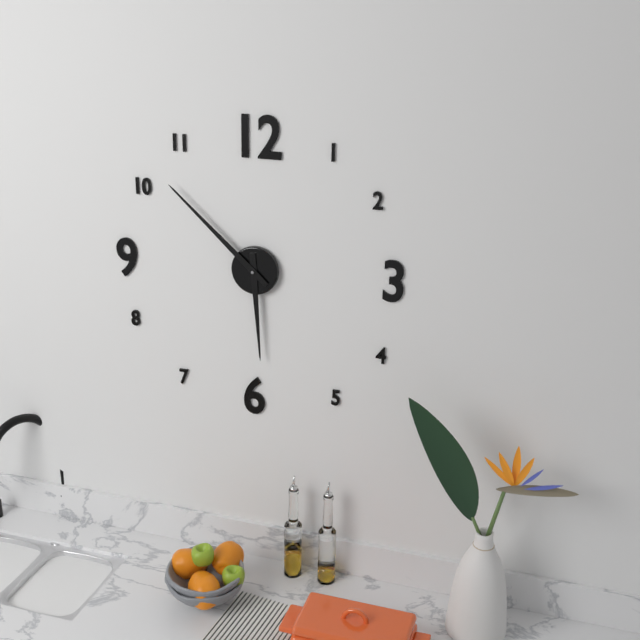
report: 5h52
